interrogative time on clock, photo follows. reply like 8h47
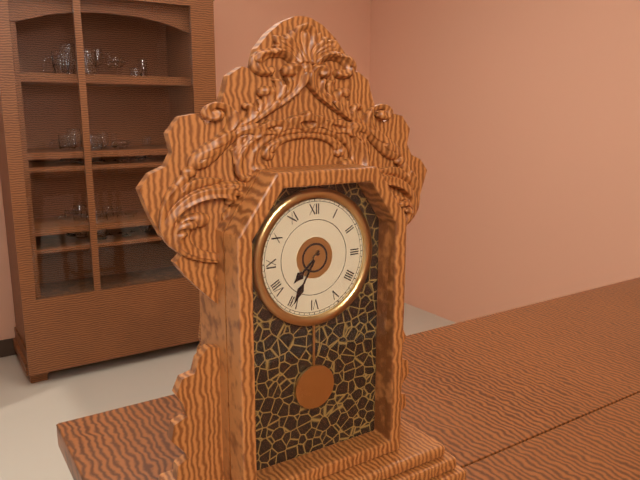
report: 7h35
